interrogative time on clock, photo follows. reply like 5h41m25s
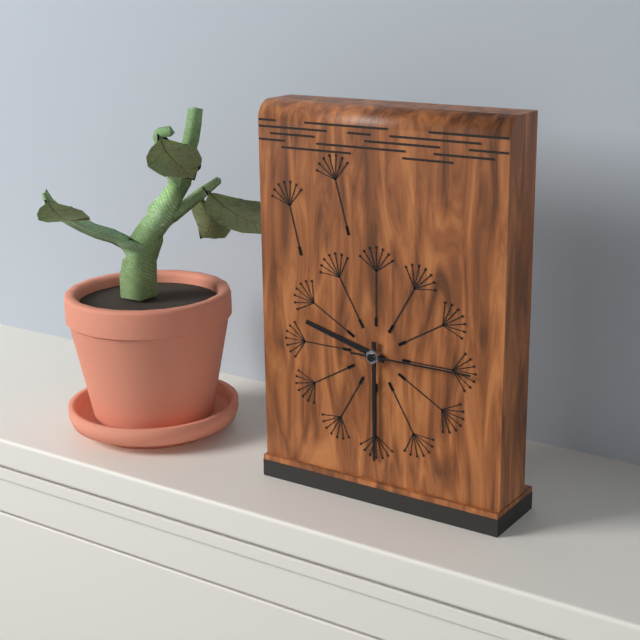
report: 9h30m15s
